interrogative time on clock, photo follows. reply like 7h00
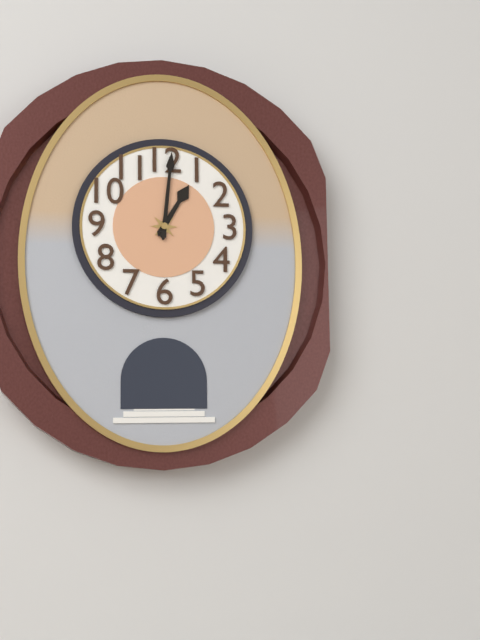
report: 1h01
